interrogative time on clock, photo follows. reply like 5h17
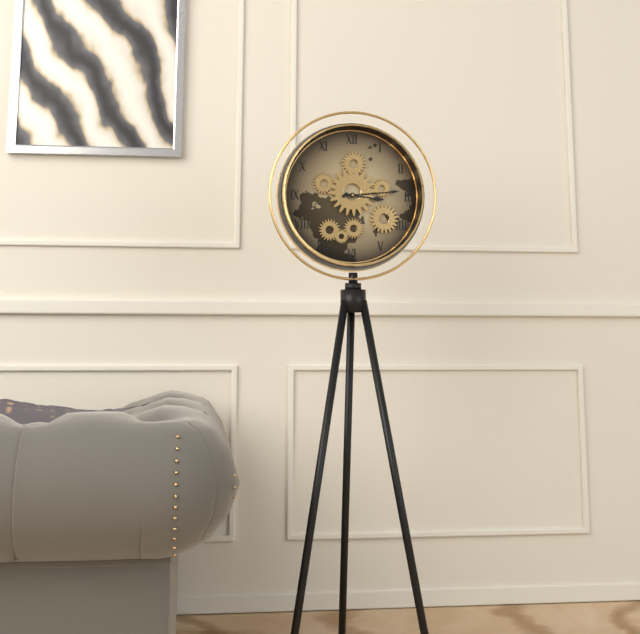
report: 3h14
